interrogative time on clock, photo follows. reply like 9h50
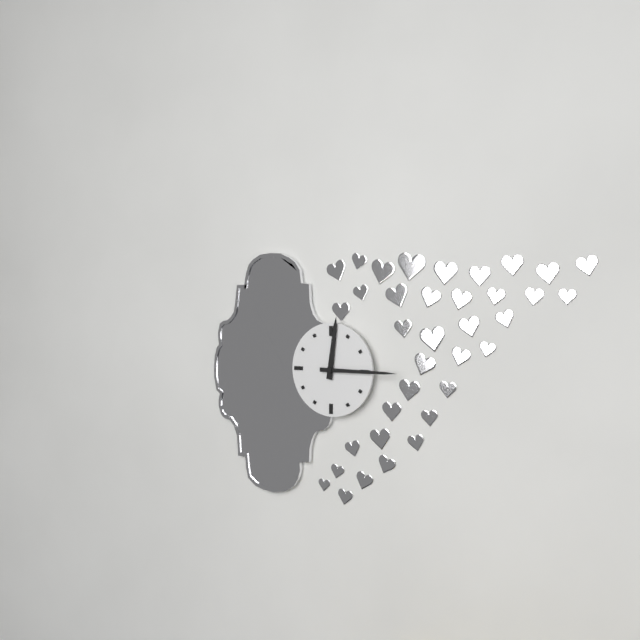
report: 12h15
